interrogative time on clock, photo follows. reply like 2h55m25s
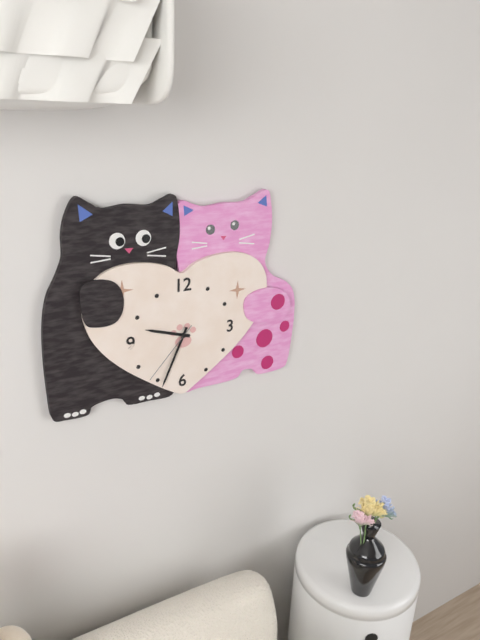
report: 9h34m37s
